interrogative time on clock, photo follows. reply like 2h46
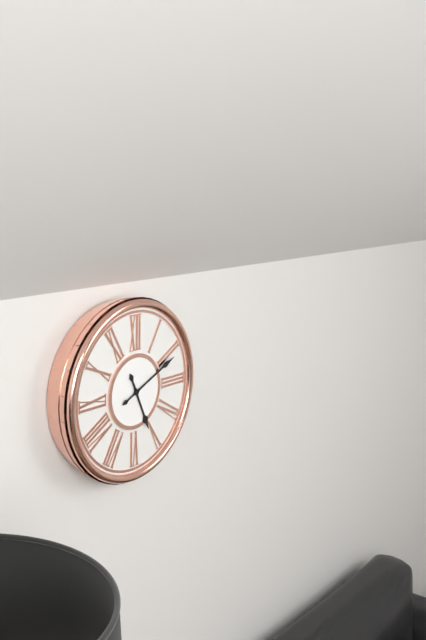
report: 5h11
